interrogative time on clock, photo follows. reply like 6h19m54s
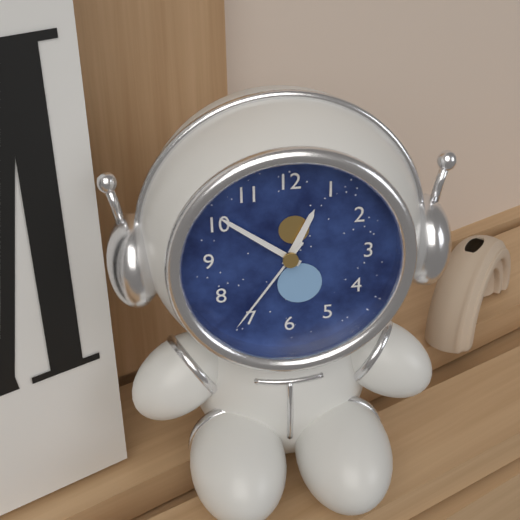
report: 12h51m36s
